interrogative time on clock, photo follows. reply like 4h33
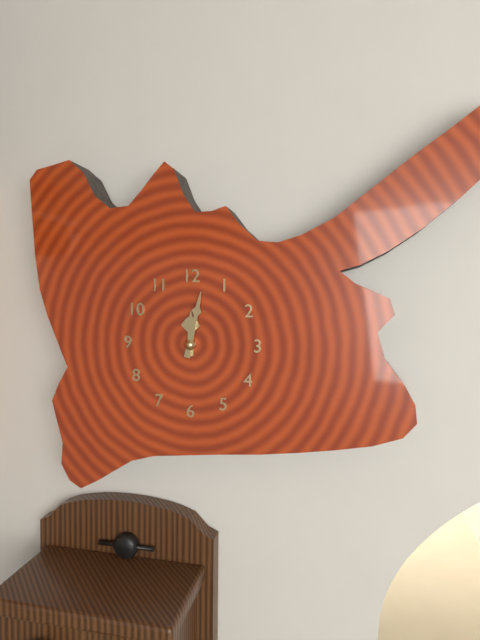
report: 12h02
